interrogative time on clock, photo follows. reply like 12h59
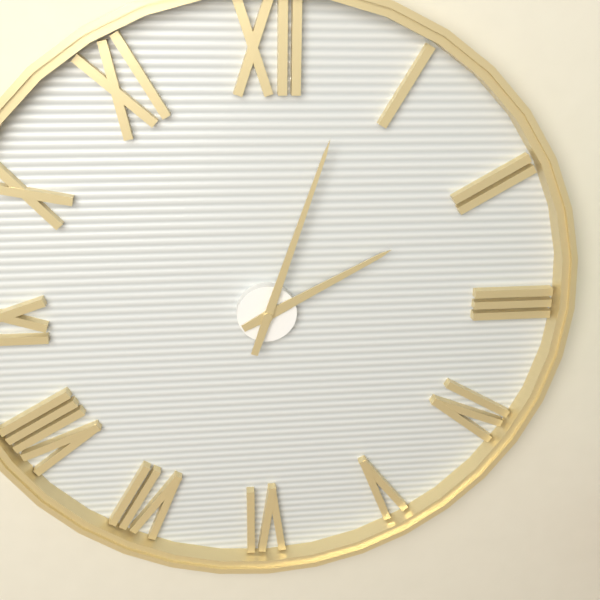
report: 2h03
